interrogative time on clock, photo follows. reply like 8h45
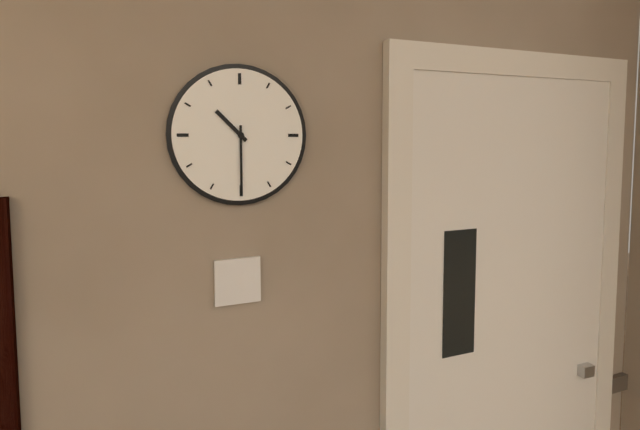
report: 10h30
